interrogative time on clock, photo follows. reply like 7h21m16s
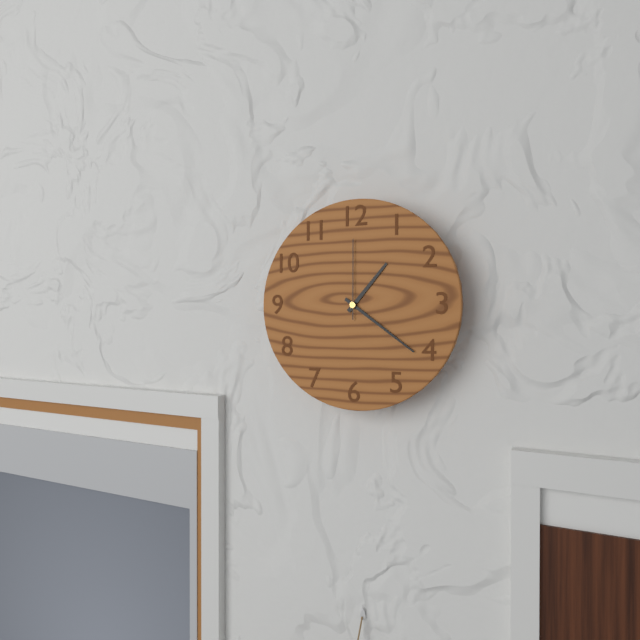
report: 1h21m00s
